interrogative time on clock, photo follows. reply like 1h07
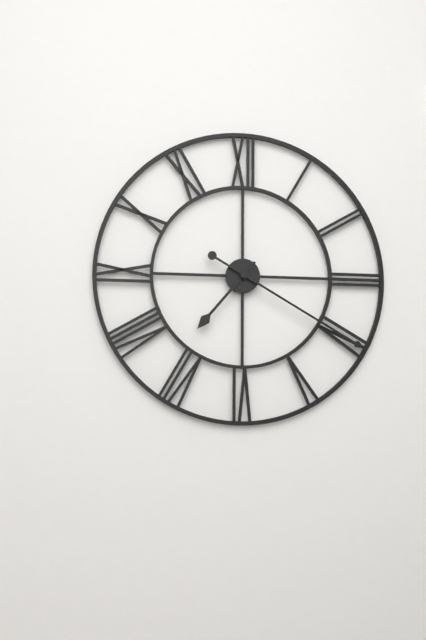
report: 7h20
